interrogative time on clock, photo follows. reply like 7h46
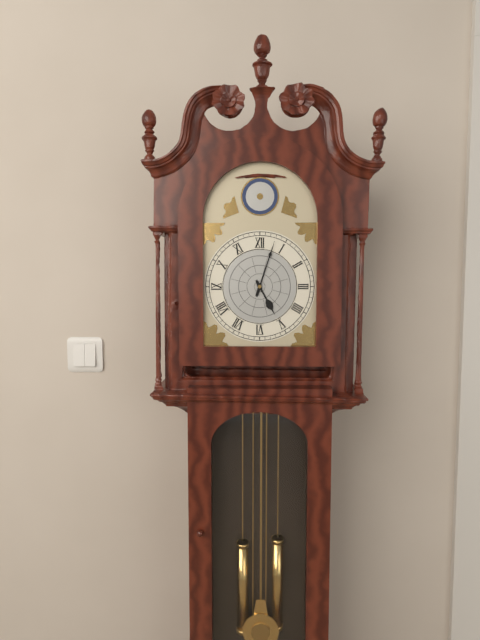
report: 5h03
